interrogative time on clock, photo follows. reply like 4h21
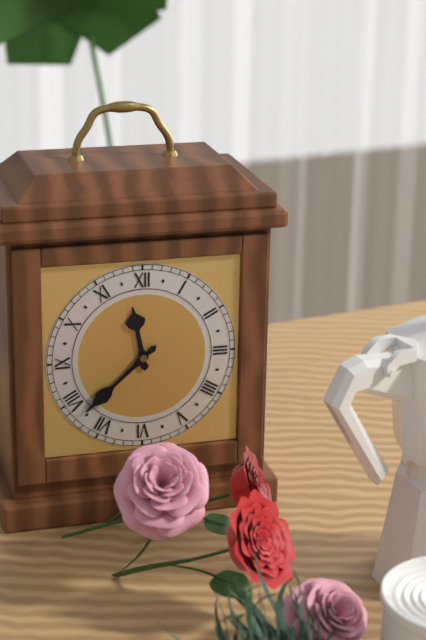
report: 11h38
